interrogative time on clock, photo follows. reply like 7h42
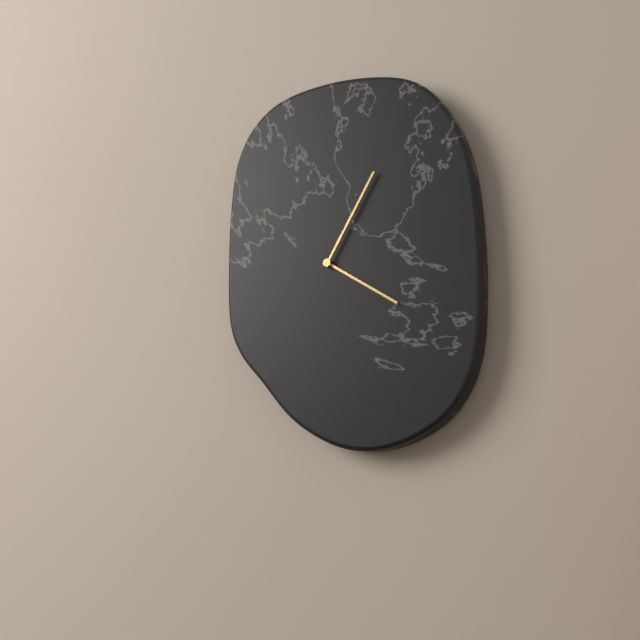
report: 4h05
